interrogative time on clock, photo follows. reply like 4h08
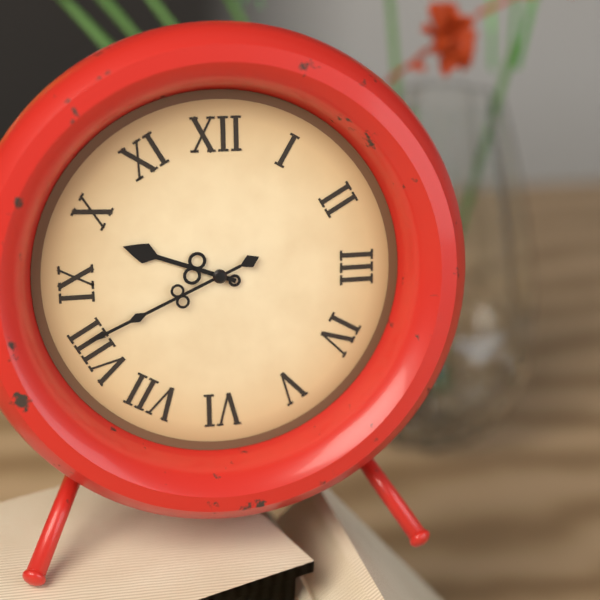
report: 9h41
